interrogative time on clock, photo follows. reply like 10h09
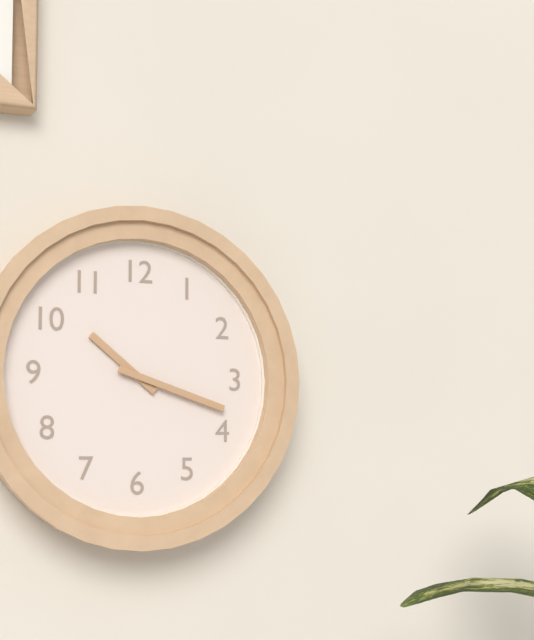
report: 10h18
